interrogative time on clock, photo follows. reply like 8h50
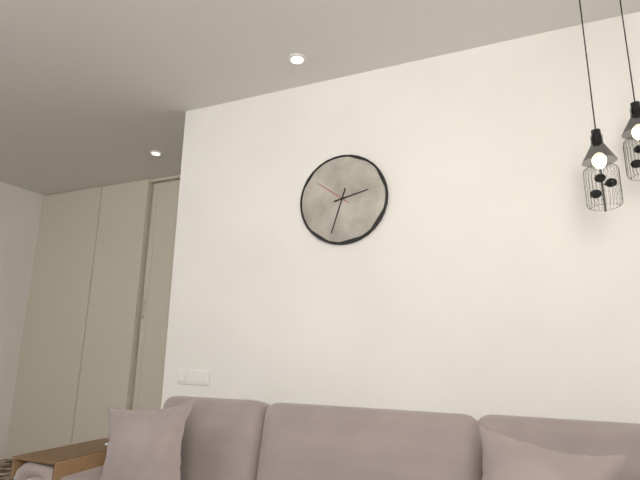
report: 2h33
